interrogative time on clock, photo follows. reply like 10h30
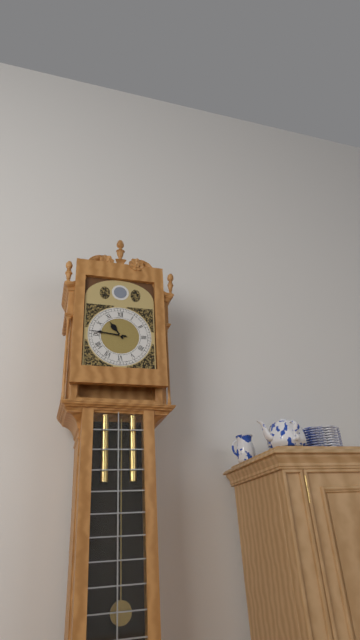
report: 10h46
